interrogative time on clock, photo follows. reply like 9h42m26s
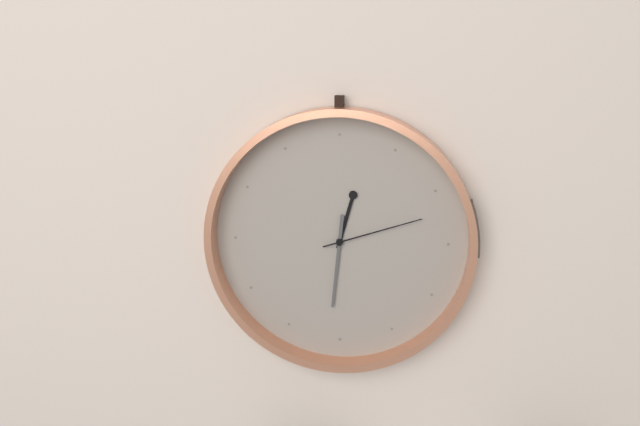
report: 12h31m12s
